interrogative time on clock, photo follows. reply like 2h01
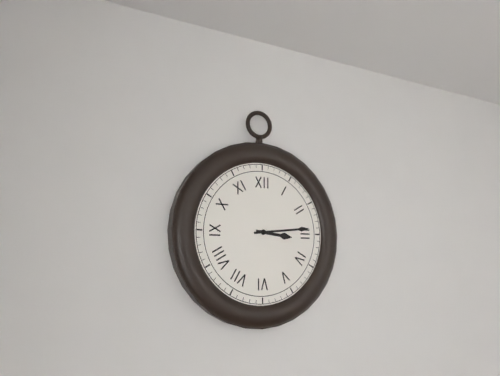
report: 3h14
